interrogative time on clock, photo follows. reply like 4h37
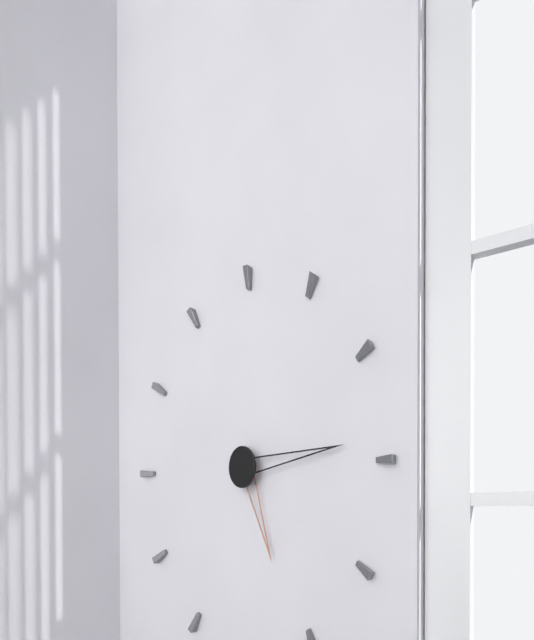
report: 5h14
